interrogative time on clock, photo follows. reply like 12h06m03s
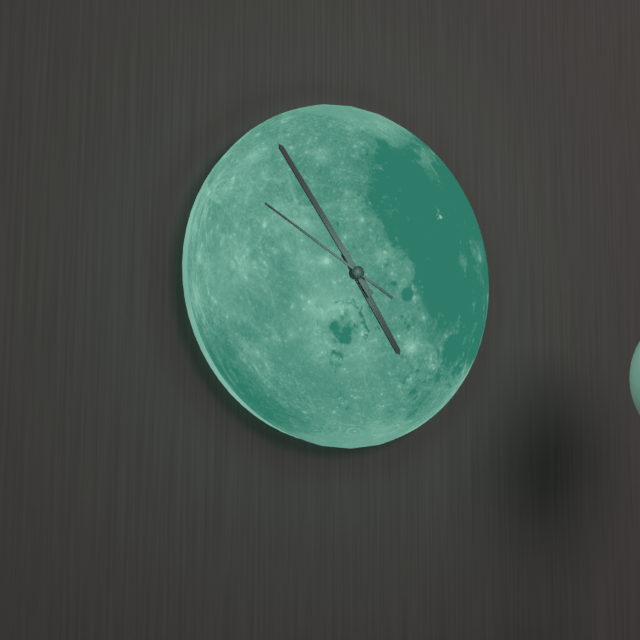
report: 4h54m50s
